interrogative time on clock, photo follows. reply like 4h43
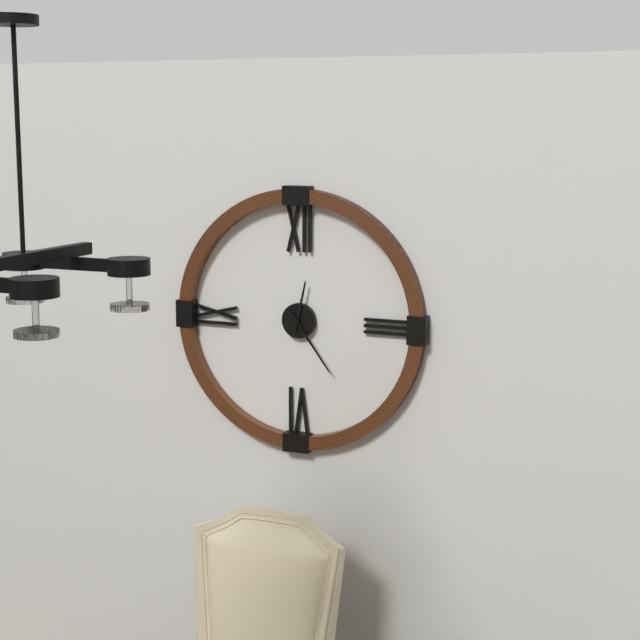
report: 12h24
